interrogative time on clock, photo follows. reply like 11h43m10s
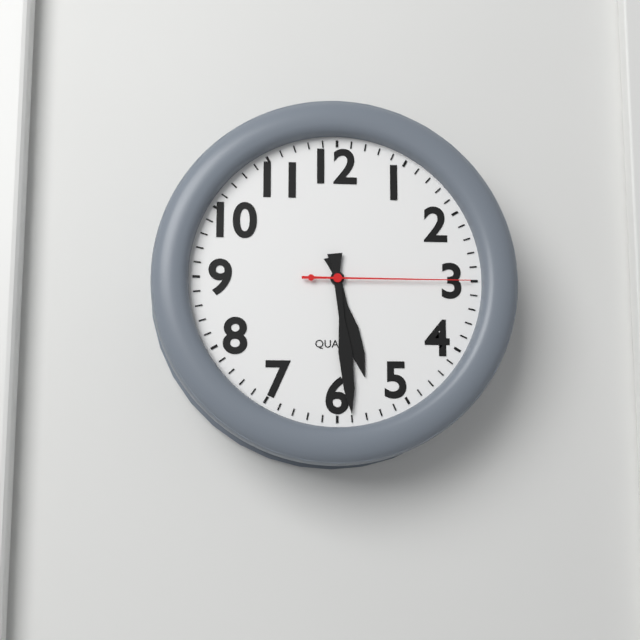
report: 5h29m15s
